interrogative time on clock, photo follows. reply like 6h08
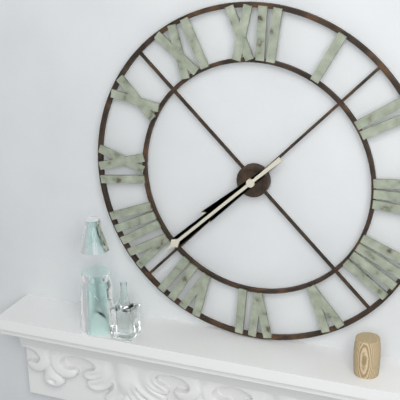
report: 7h38
